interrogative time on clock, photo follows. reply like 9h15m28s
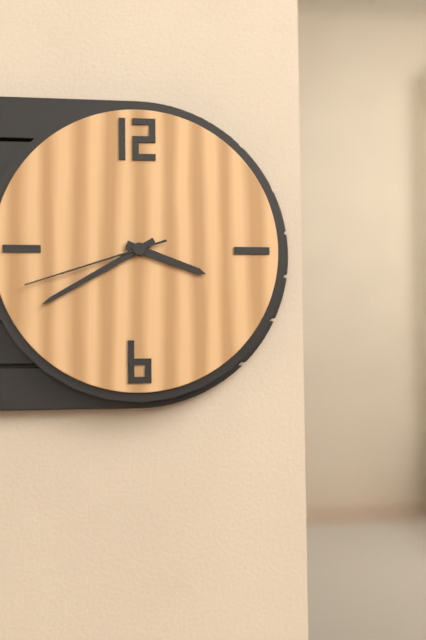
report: 3h40m42s
